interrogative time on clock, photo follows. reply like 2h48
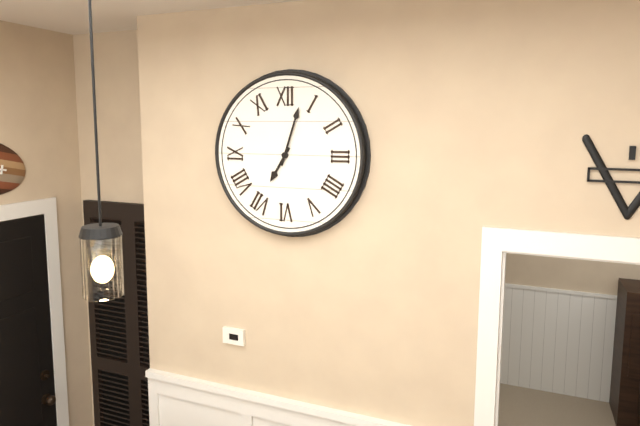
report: 7h03
